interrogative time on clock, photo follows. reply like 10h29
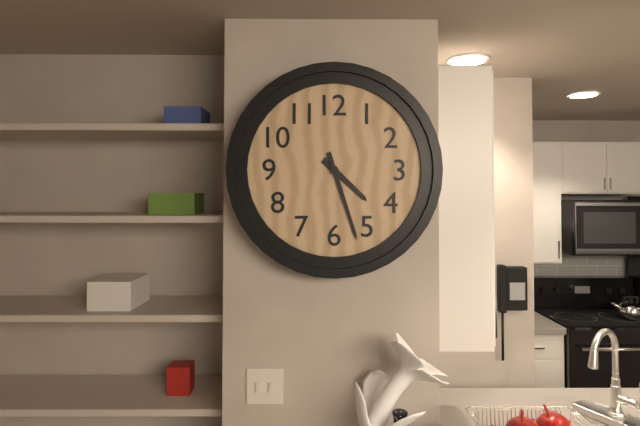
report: 4h27
